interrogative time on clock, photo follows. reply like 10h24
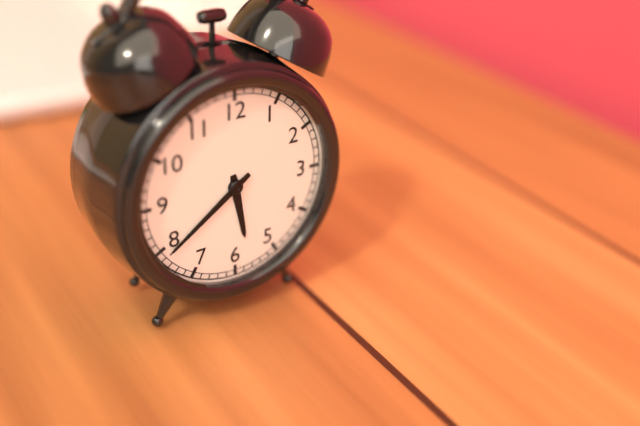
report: 5h39
